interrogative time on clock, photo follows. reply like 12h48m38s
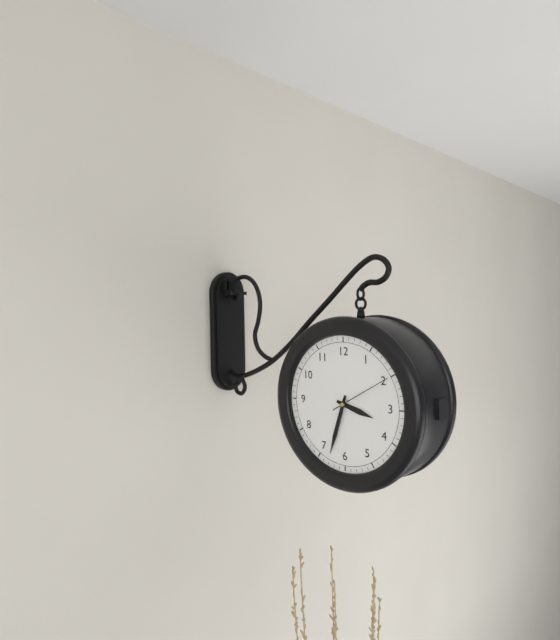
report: 3h33m10s
